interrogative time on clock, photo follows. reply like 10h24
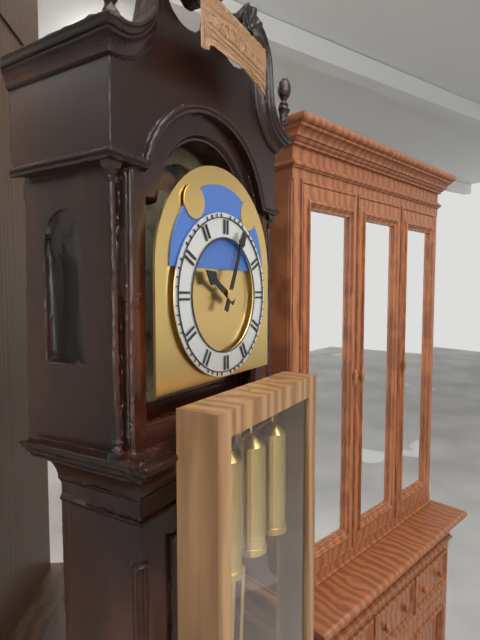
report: 10h04
